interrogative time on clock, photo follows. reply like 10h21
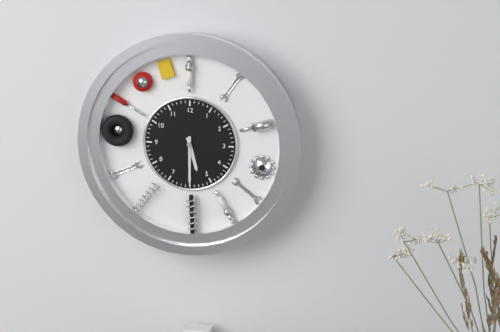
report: 5h30
